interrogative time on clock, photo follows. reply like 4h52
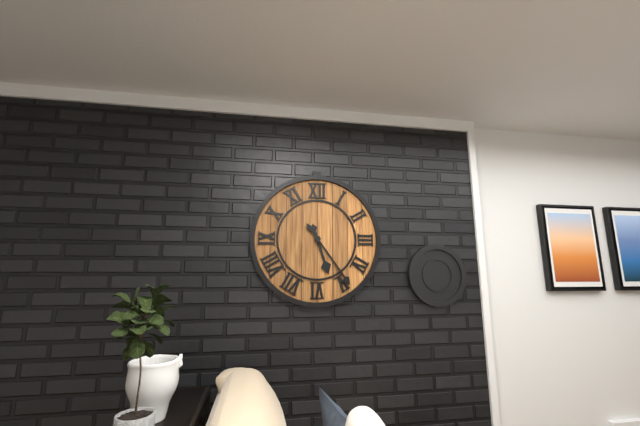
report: 5h24
